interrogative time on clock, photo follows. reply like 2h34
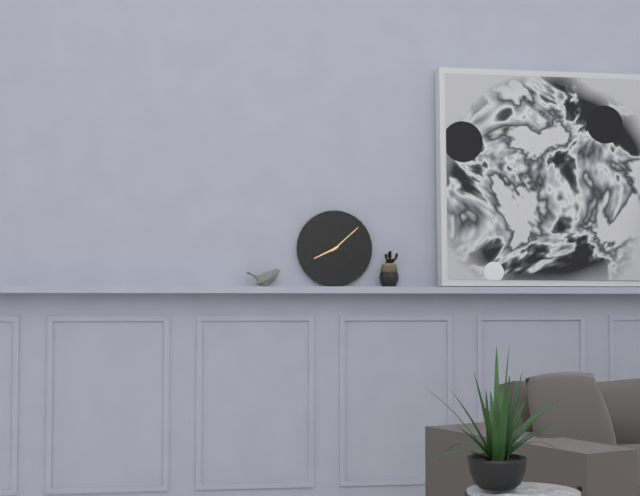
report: 8h08
